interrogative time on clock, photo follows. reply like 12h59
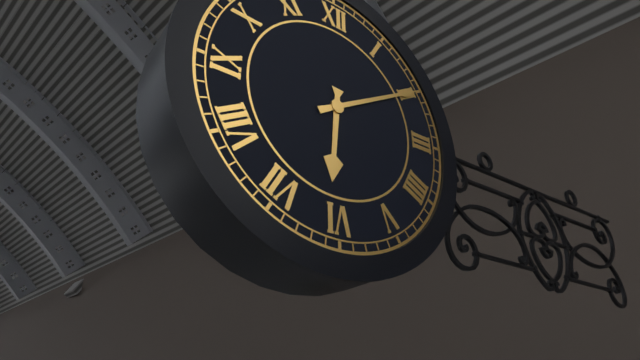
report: 6h10
